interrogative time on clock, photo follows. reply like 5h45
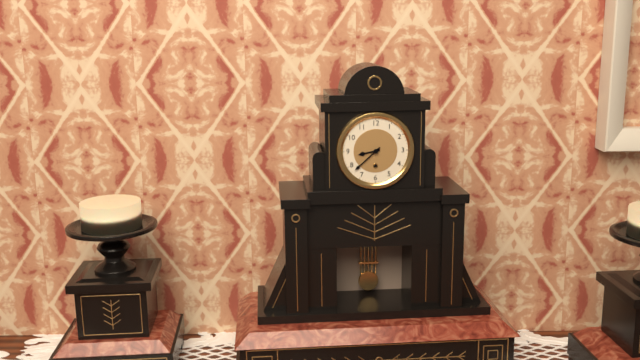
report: 8h38
